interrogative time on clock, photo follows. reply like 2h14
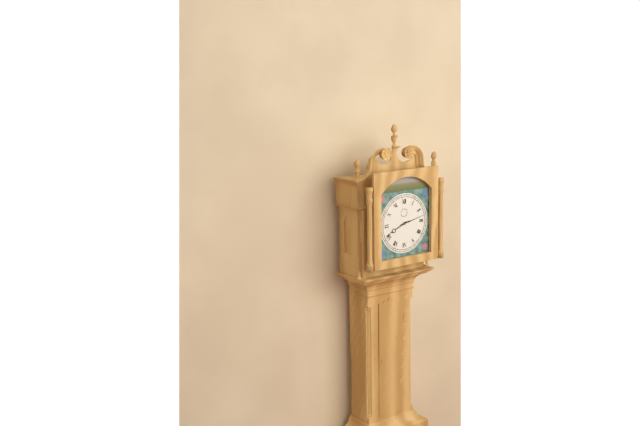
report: 8h13
